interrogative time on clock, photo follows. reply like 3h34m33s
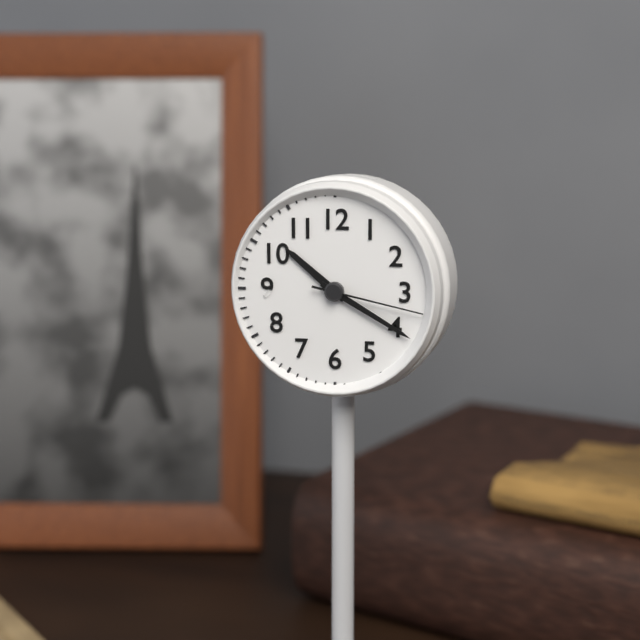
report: 10h20m17s
